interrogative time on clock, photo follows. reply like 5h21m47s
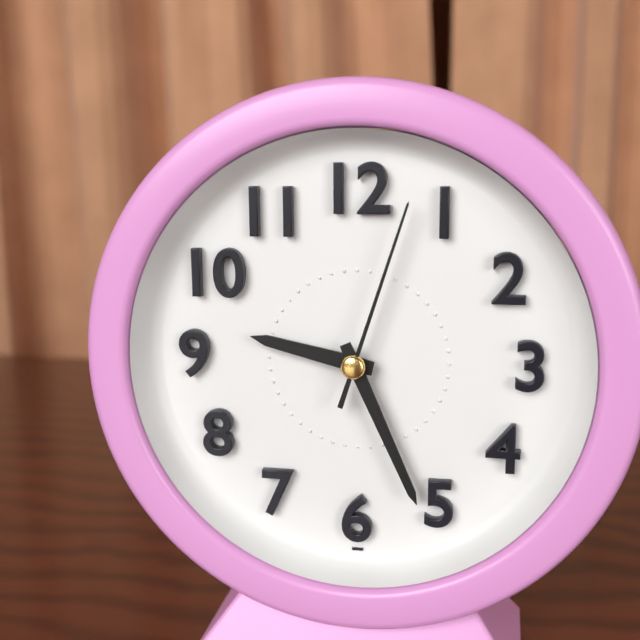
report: 9h26m03s
